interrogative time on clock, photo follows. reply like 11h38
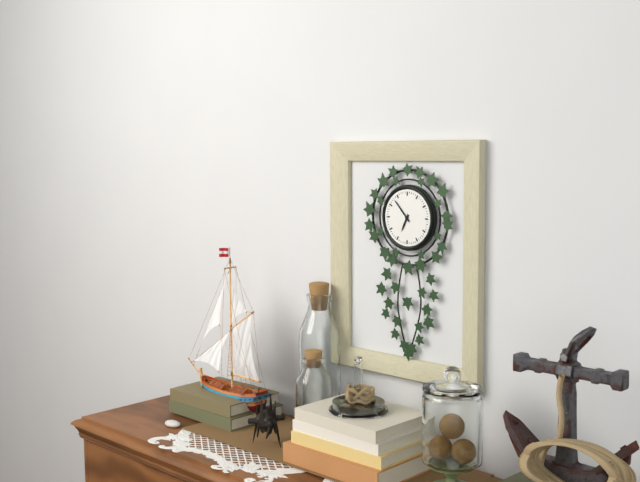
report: 6h53
